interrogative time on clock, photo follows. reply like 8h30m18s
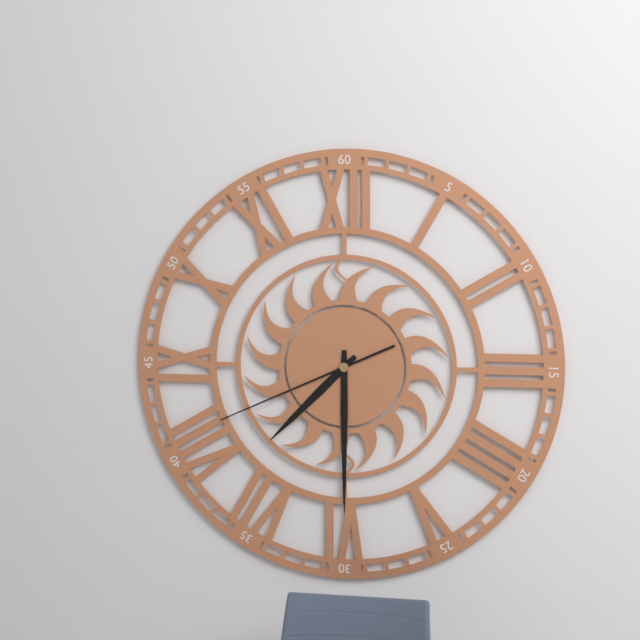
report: 7h30m41s
